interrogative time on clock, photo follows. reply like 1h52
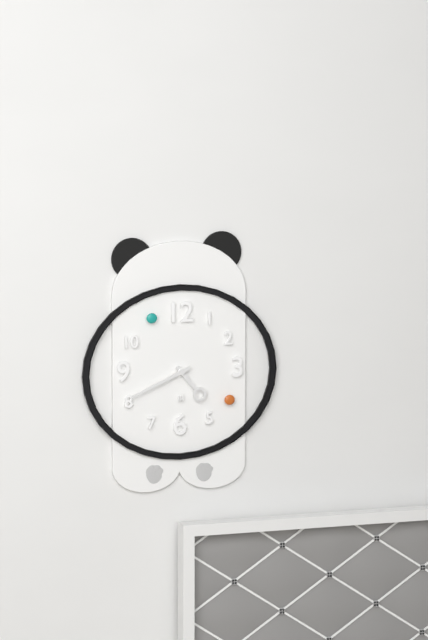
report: 4h41
